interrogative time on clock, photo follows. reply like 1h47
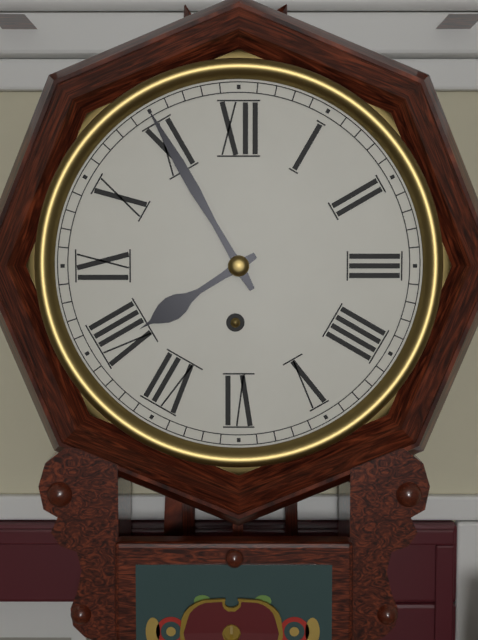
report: 7h55
